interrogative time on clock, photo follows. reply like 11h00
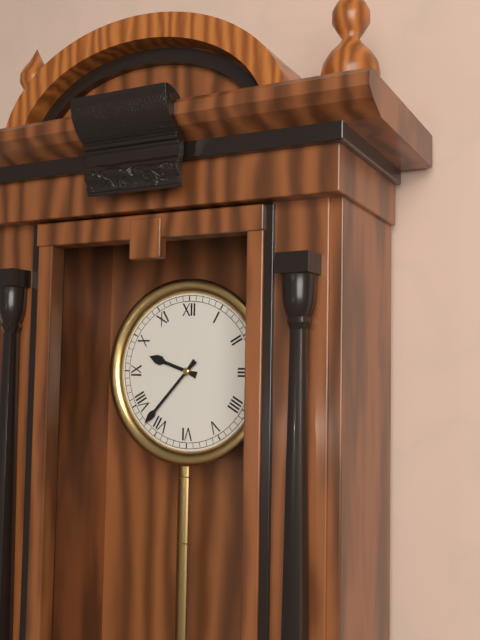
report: 9h37
